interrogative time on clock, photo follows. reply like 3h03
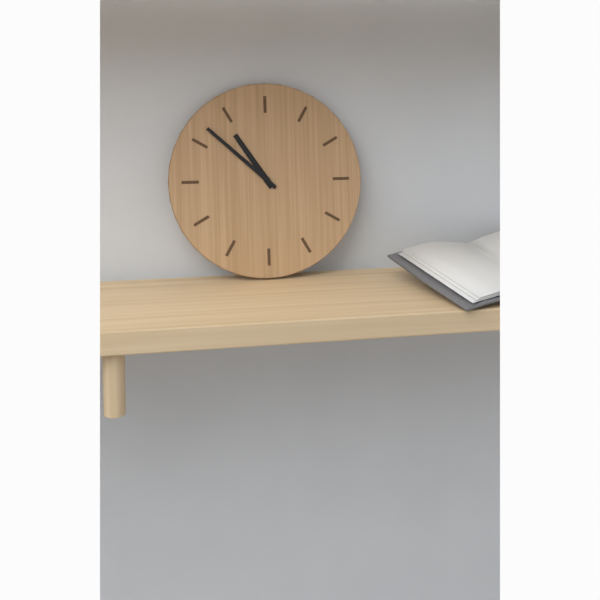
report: 10h52
